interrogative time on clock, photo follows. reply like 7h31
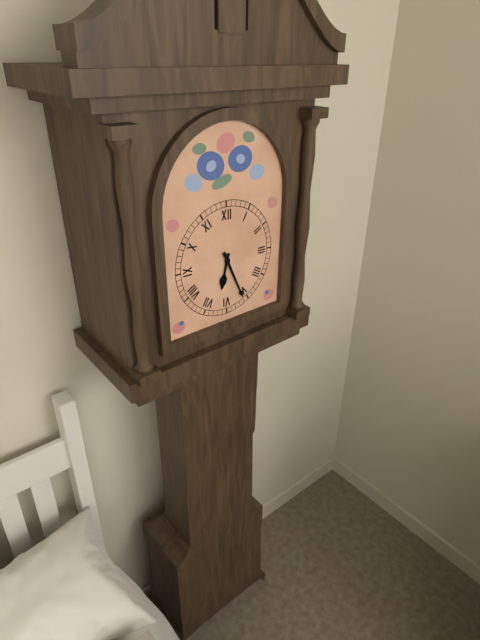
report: 6h26
